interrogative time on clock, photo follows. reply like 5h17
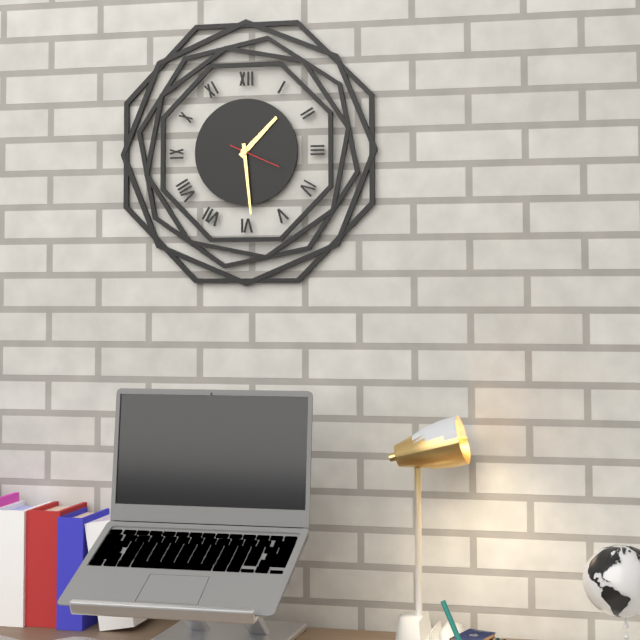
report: 1h29
